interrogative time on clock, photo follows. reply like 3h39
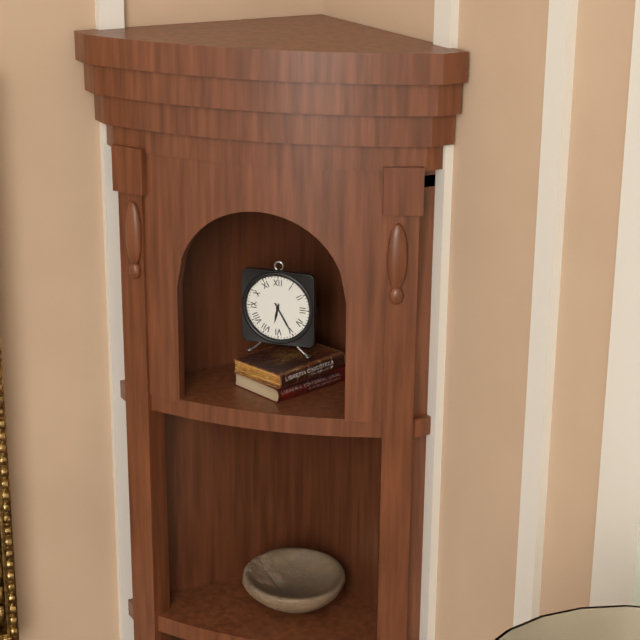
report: 6h25
